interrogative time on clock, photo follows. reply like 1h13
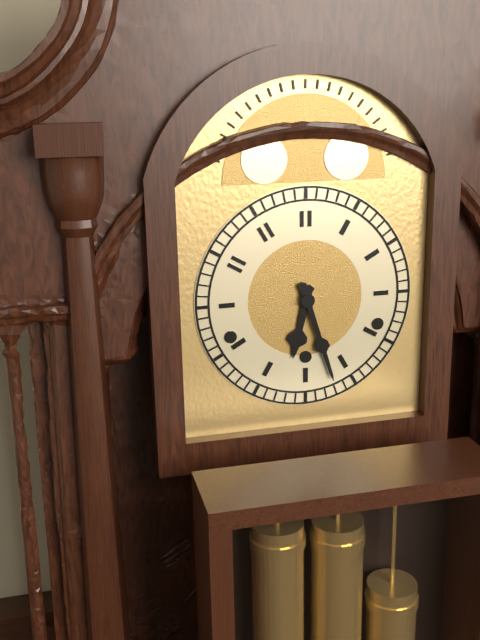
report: 6h27
